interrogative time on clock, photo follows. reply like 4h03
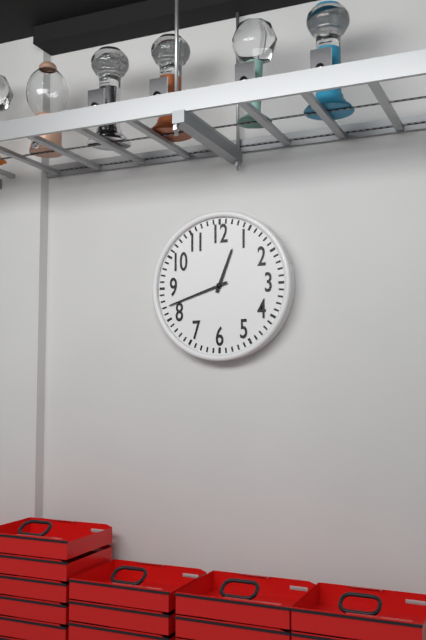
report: 12h42
